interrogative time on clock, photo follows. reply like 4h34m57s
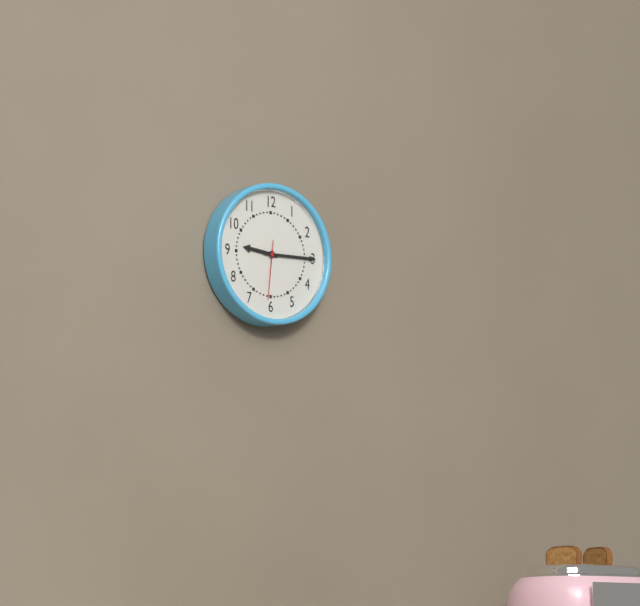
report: 9h15m31s
